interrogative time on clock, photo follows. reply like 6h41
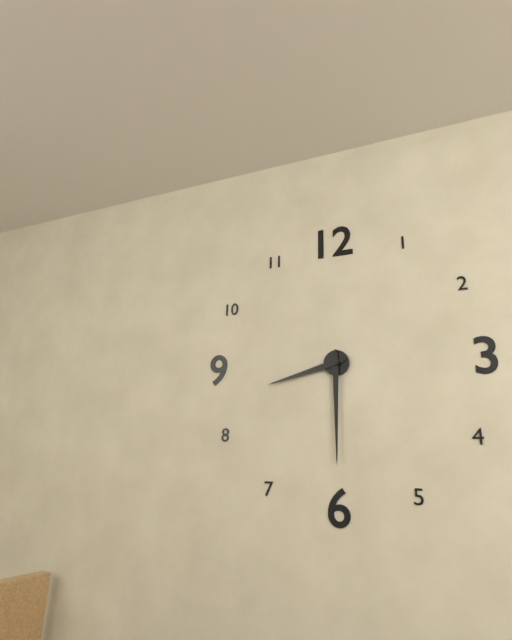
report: 8h30
